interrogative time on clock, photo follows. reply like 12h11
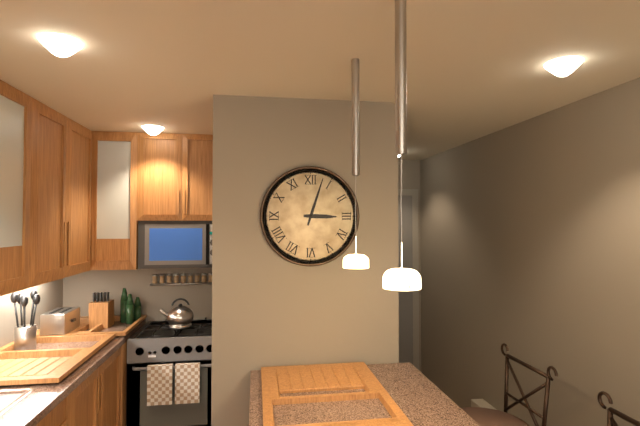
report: 3h03
